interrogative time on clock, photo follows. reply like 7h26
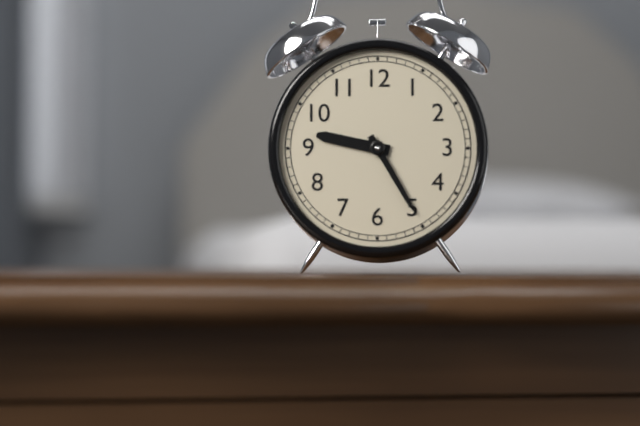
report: 9h25
